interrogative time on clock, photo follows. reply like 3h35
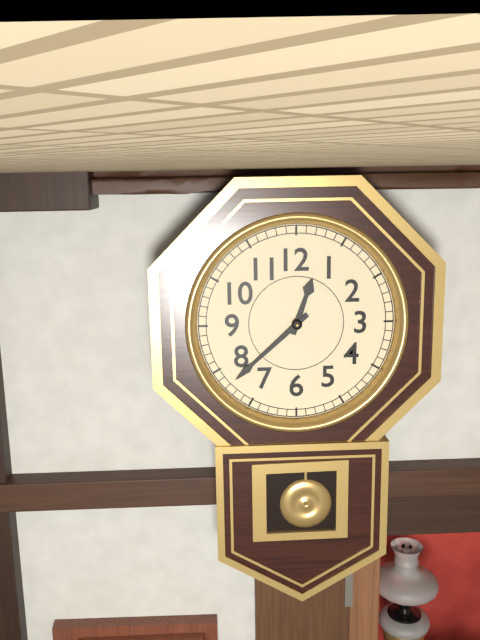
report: 12h38
